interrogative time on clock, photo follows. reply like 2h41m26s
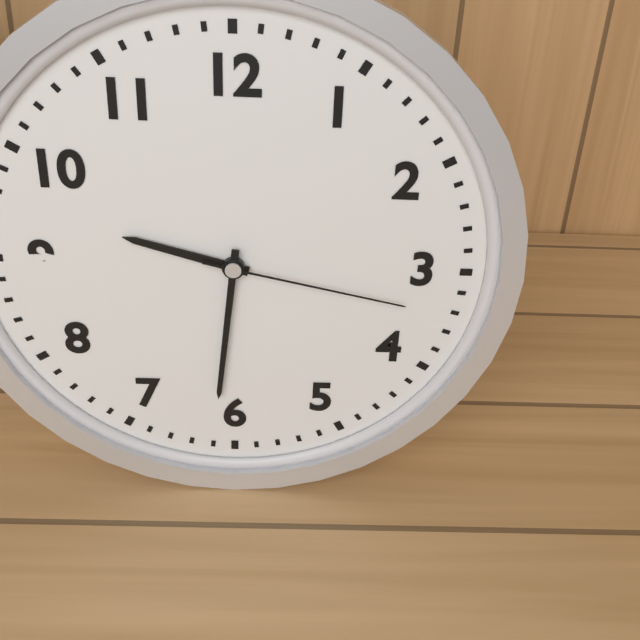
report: 9h31m17s
